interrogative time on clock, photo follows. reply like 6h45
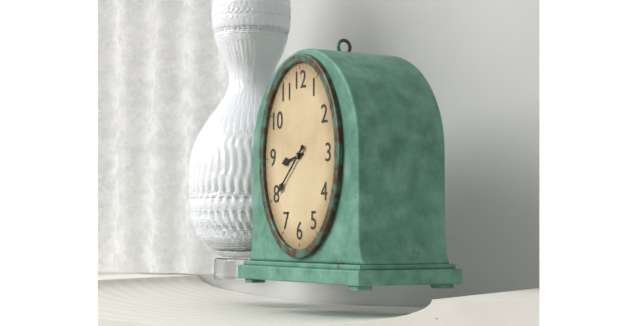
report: 8h38
